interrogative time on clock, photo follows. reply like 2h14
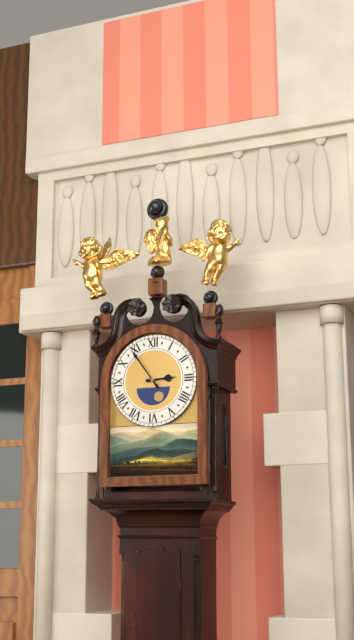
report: 2h54
